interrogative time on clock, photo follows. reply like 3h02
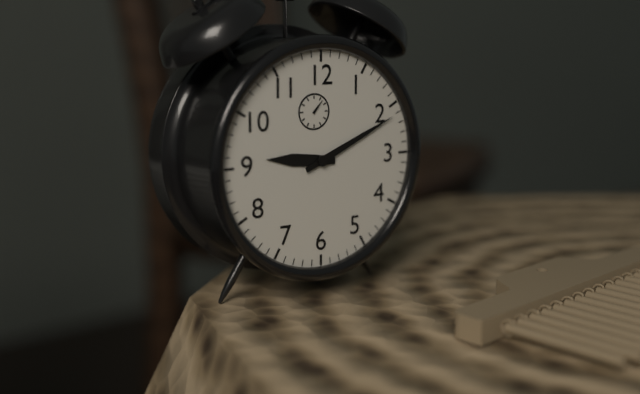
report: 9h11
